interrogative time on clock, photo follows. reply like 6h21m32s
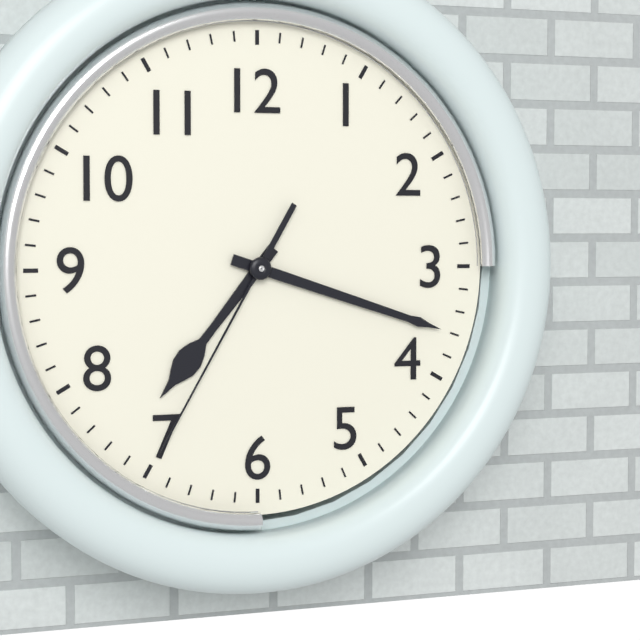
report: 7h18m35s
